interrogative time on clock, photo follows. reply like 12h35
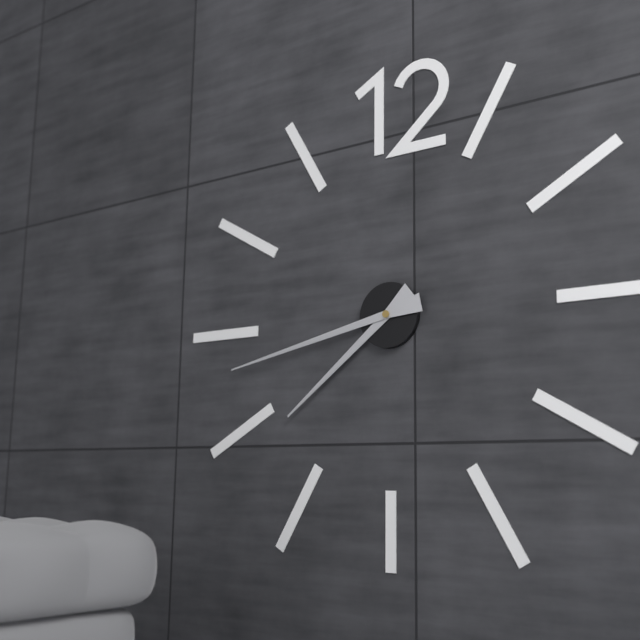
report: 7h43
